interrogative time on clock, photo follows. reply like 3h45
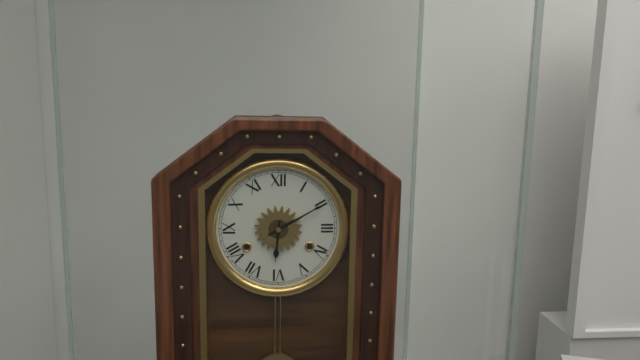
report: 6h10
